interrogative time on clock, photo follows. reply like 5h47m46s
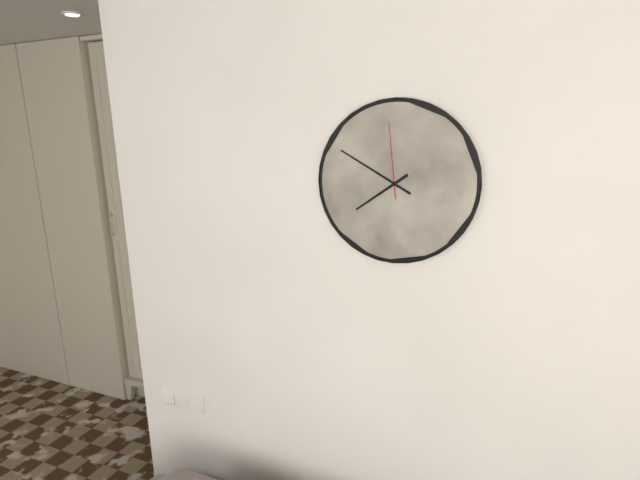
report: 7h50m59s
